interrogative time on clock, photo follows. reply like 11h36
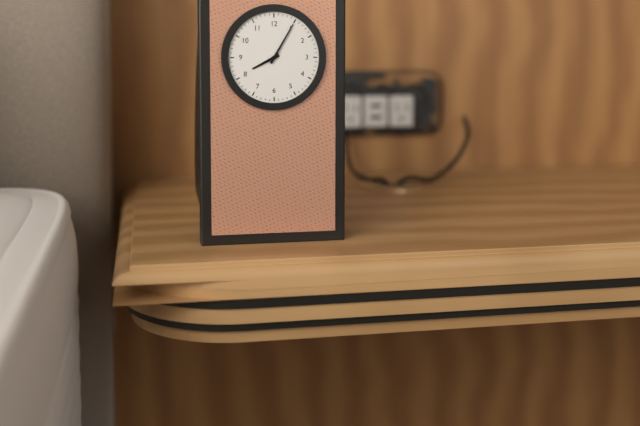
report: 8h05
